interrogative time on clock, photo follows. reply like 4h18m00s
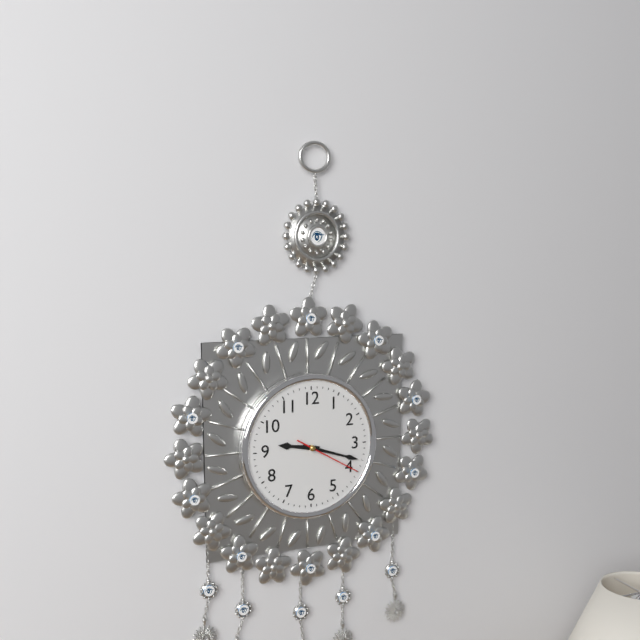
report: 9h18m20s
